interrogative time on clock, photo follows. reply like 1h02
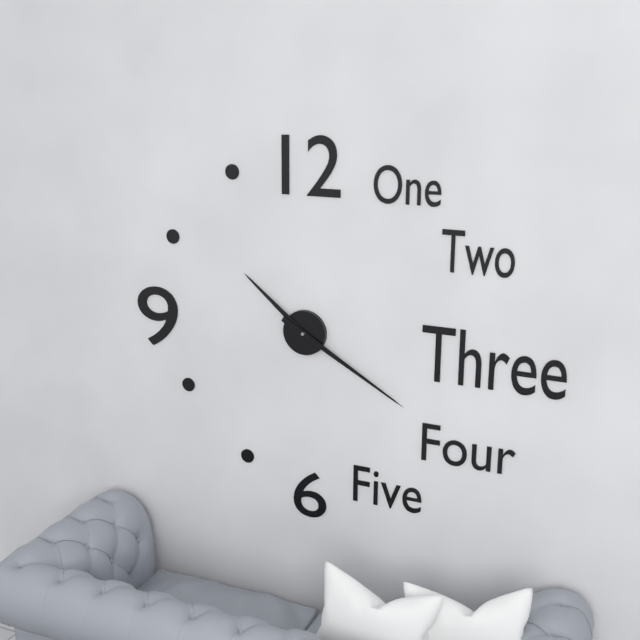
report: 10h20
